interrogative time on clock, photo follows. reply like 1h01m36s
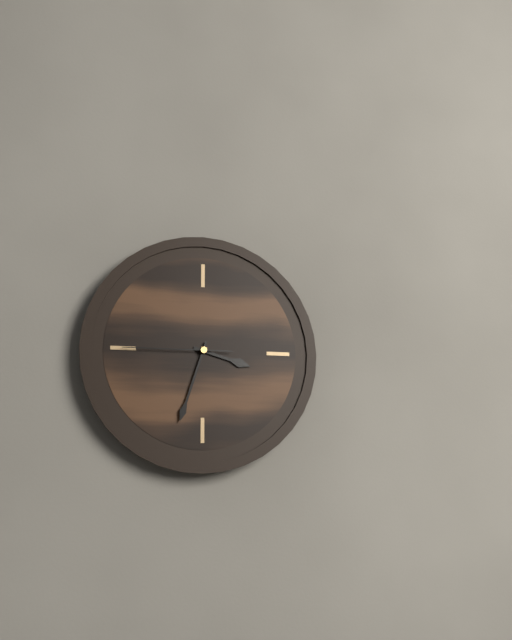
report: 3h33m45s
